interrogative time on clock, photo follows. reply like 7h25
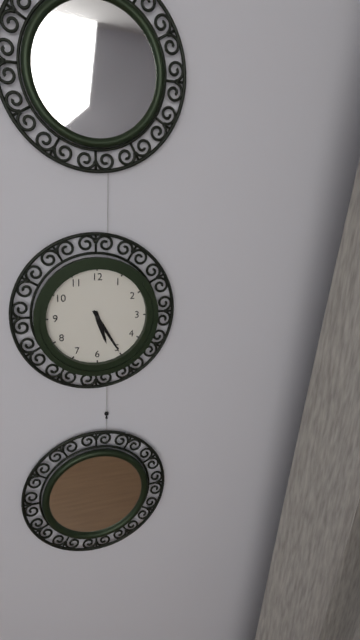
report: 5h25
